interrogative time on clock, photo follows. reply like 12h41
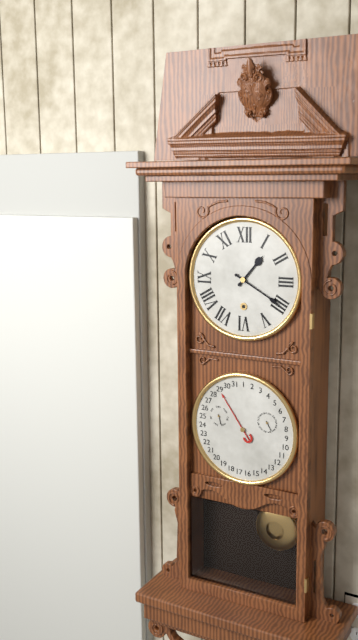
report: 1h20
